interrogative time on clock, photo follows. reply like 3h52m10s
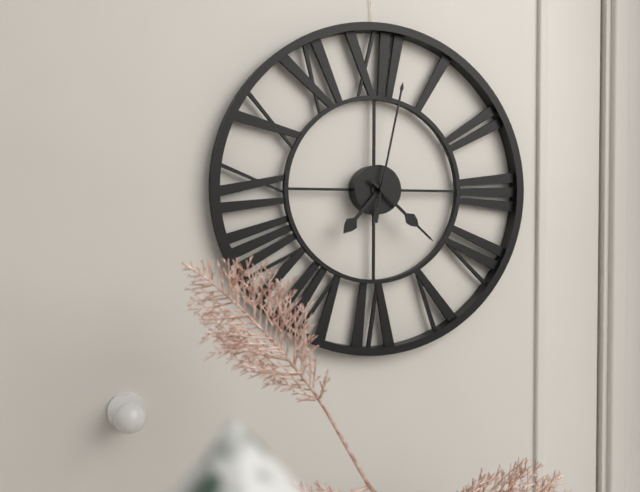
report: 7h22m02s
